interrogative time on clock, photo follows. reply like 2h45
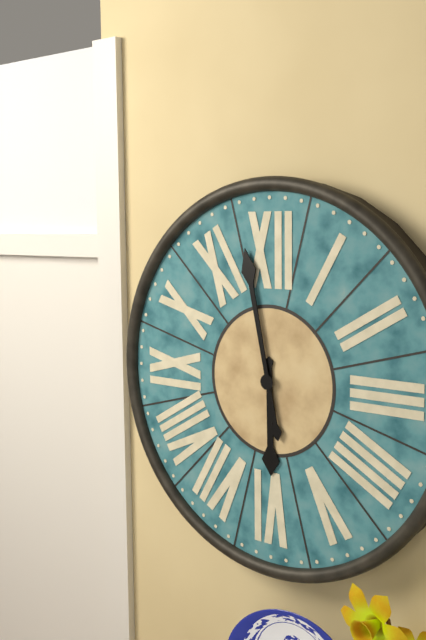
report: 5h58
